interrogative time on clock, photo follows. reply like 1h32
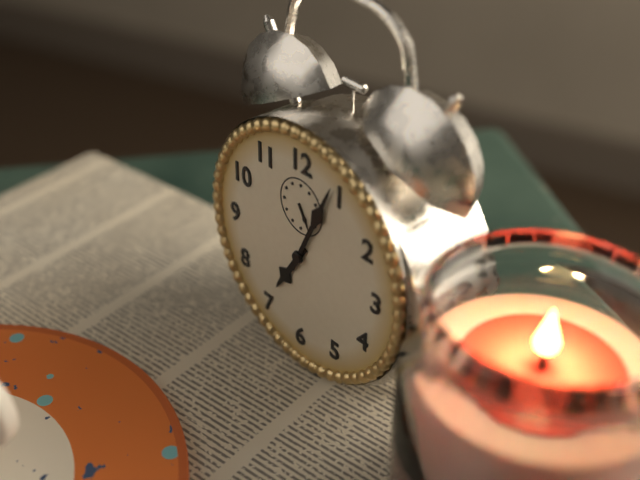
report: 7h04
